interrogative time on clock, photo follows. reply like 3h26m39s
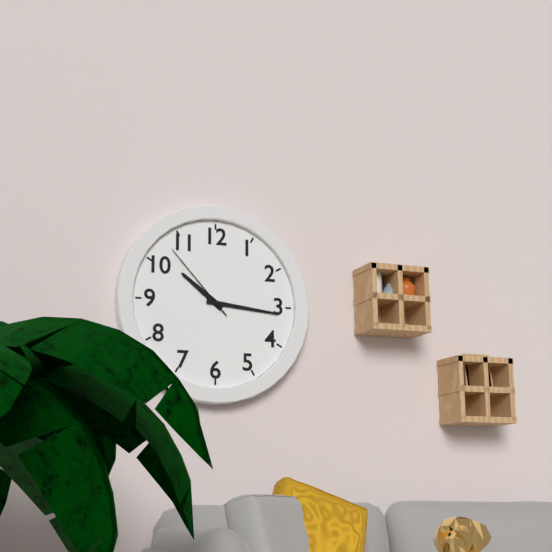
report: 10h16m53s
